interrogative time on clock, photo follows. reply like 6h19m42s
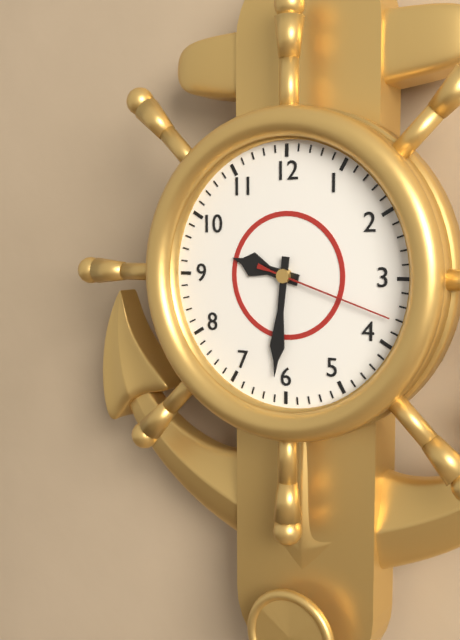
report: 9h31m18s
